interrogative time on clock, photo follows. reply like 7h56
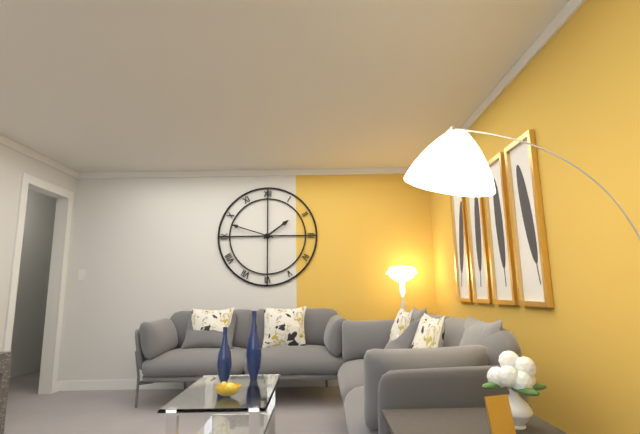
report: 1h48
